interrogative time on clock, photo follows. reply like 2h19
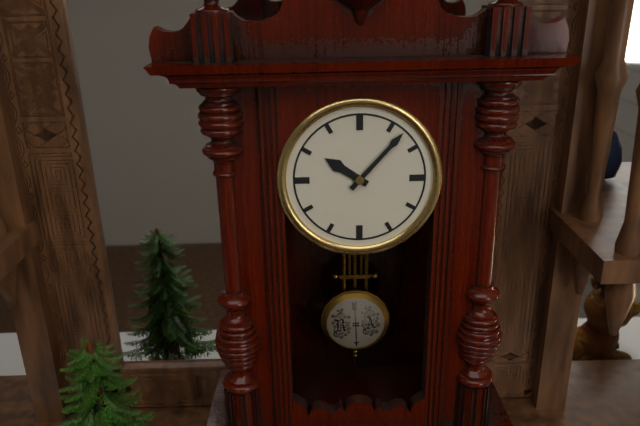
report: 10h07
